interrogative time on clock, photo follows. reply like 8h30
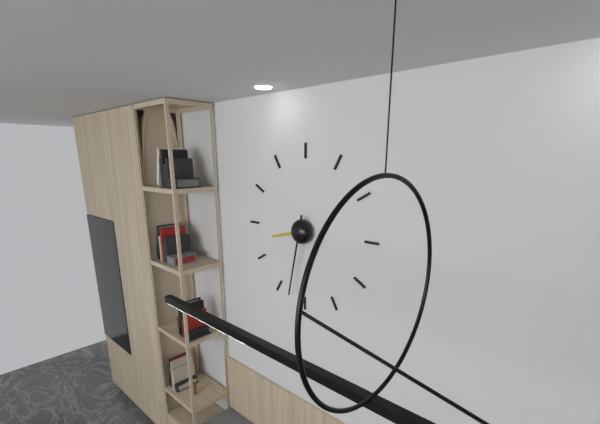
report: 8h32
